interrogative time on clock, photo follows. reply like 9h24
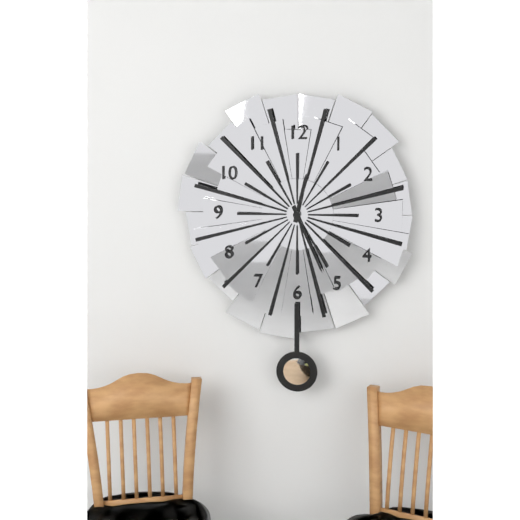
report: 12h26
